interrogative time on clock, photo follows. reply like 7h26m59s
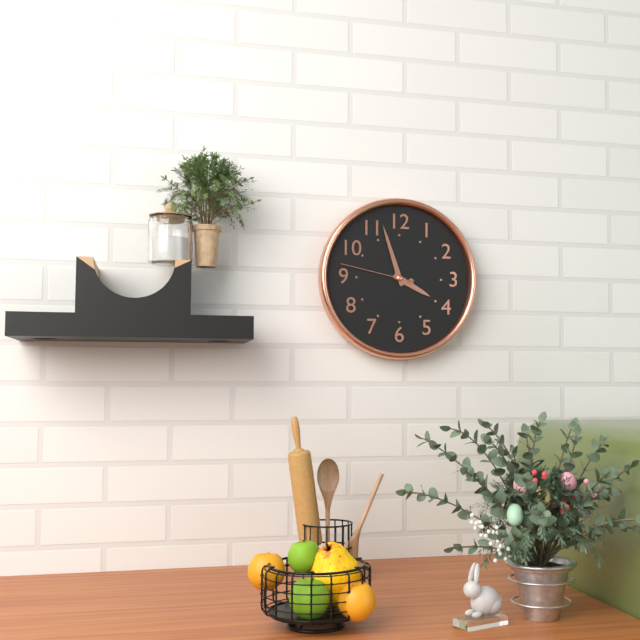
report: 3h57m47s
